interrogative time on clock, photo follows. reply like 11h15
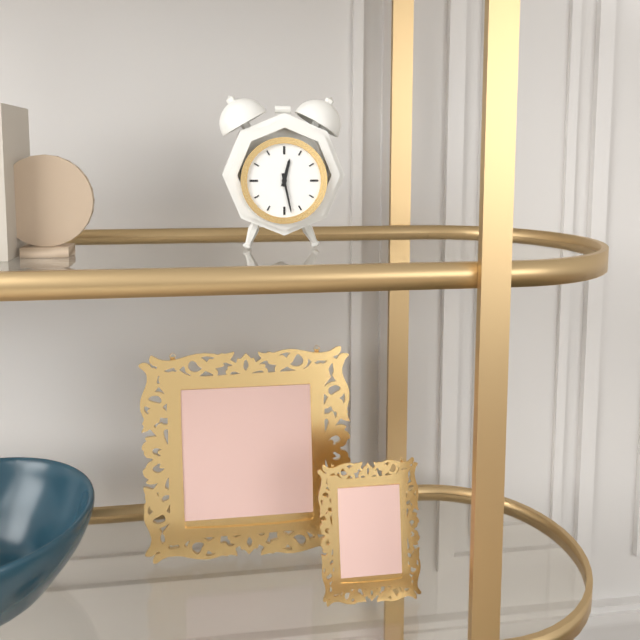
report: 12h28
